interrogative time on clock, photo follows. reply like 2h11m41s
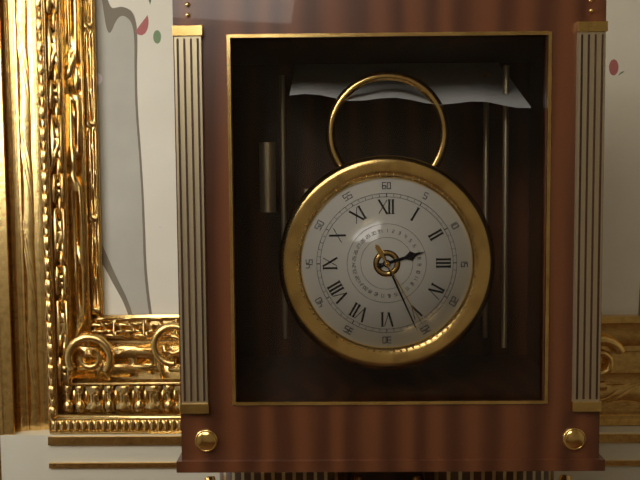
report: 2h26m25s
